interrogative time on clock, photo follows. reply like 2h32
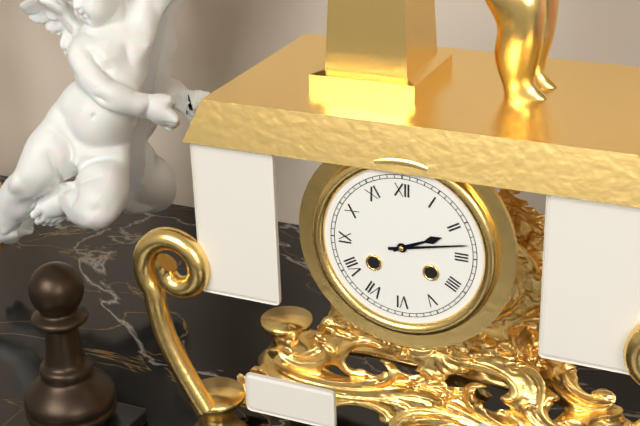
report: 2h13
